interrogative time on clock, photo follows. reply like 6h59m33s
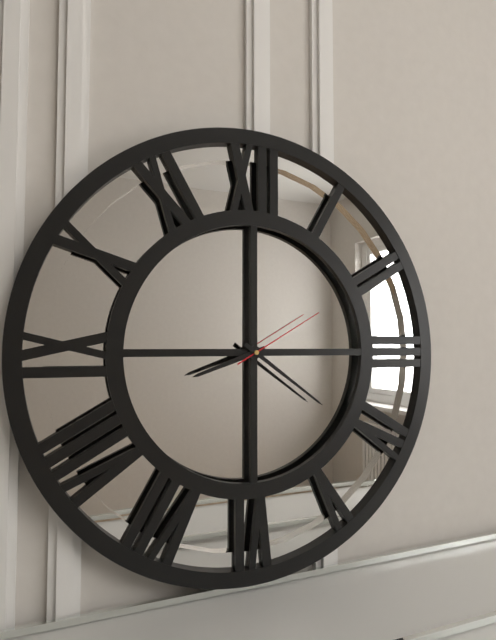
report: 8h21m10s
